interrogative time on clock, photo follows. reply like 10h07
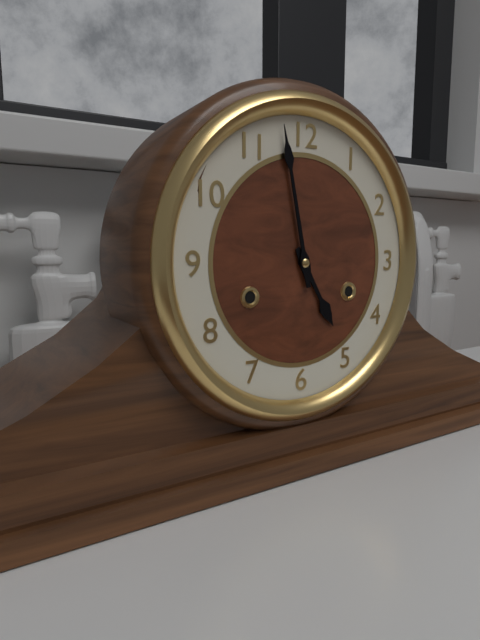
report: 4h58
